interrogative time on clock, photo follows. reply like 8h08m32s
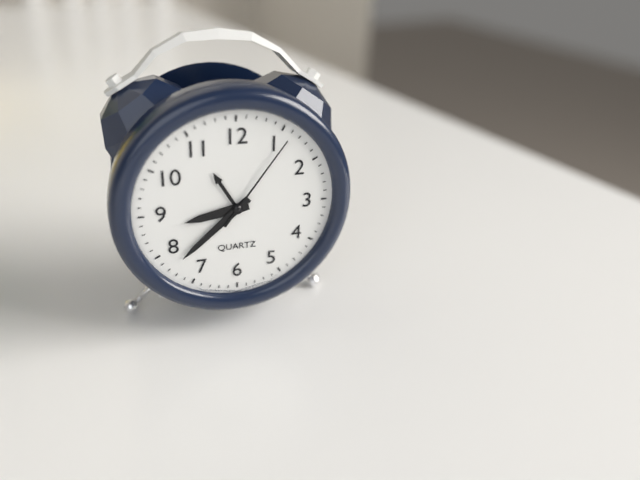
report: 8h38m06s
